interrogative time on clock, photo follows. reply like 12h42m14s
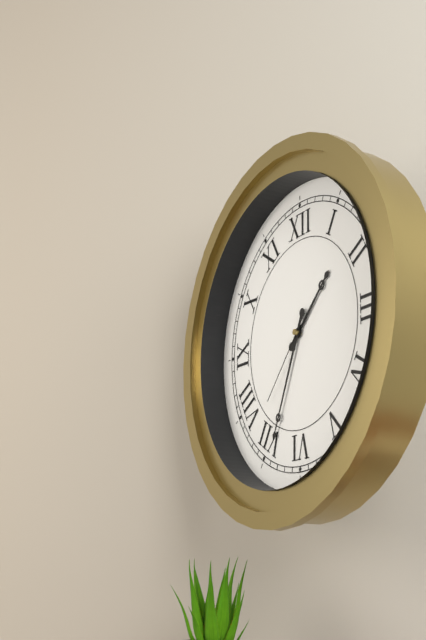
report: 1h34m37s
